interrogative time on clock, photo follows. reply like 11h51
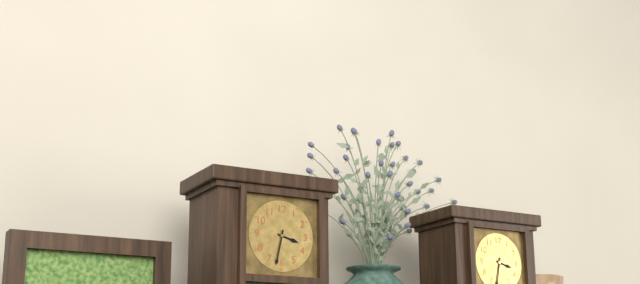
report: 3h32
